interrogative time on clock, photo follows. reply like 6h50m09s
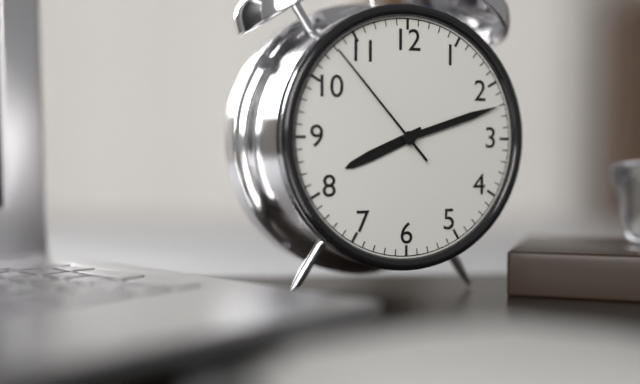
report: 8h12m53s
